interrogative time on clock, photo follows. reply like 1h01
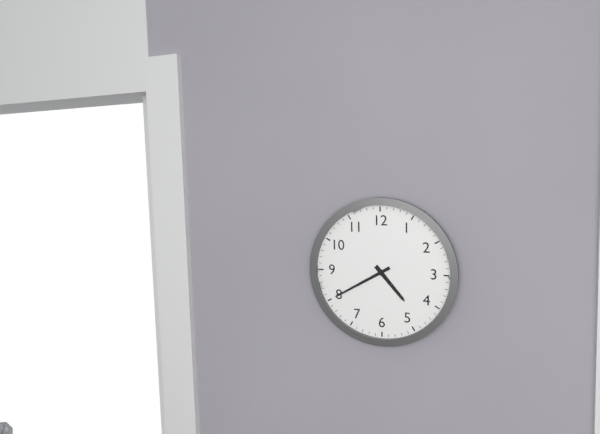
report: 4h40
